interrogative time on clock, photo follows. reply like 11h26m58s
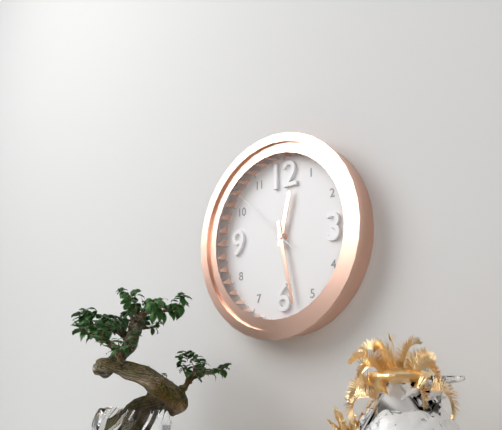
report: 12h28m52s
